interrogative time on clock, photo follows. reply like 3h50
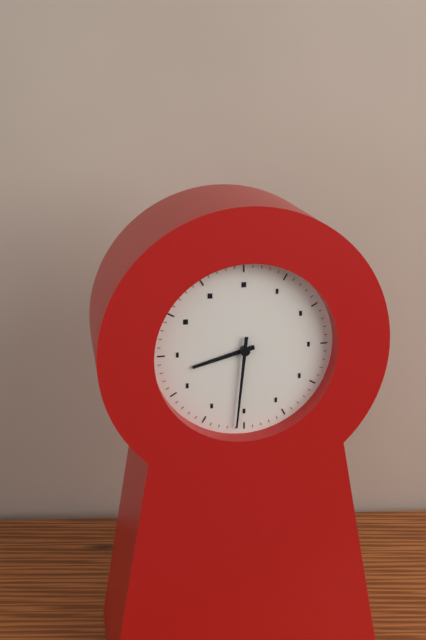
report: 8h31
